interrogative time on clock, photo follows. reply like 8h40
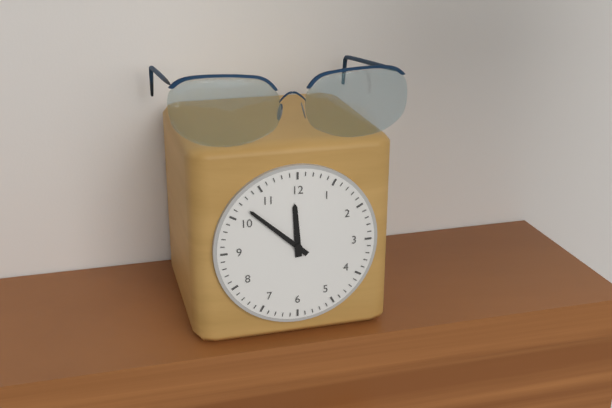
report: 11h52
